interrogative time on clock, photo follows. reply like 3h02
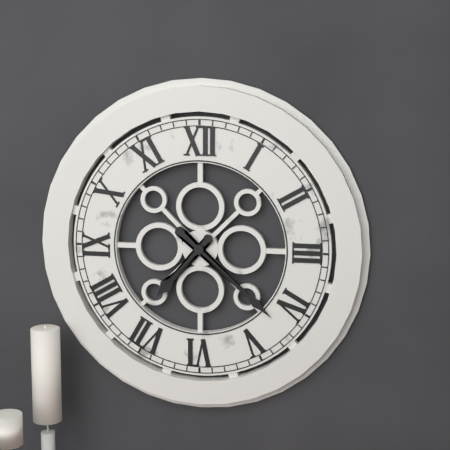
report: 7h22
